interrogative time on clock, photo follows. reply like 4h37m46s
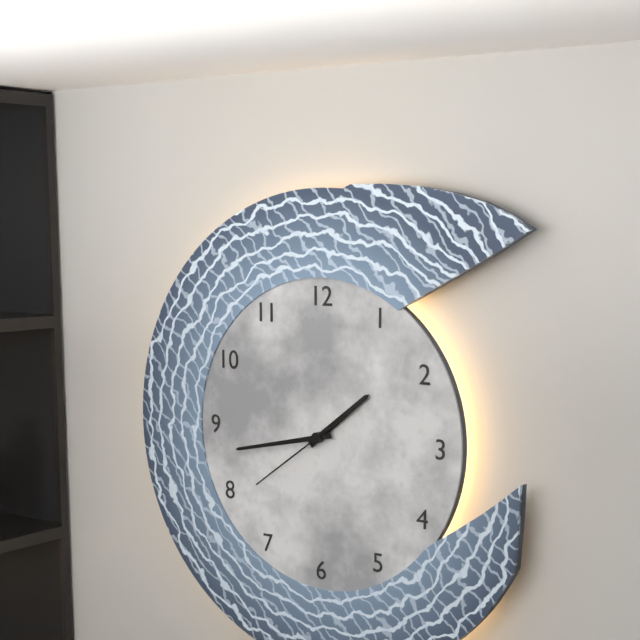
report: 1h43m39s
